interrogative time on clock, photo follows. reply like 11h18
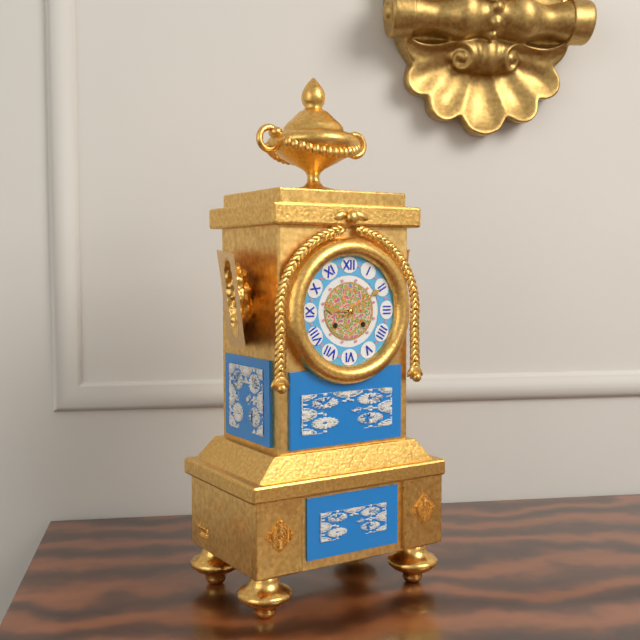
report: 9h10
